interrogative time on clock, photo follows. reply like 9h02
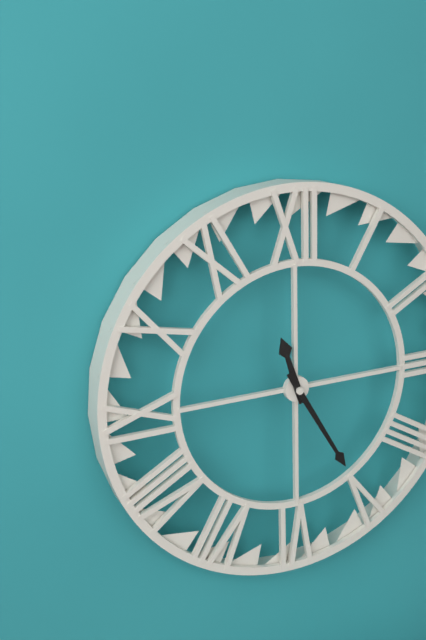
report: 11h25
